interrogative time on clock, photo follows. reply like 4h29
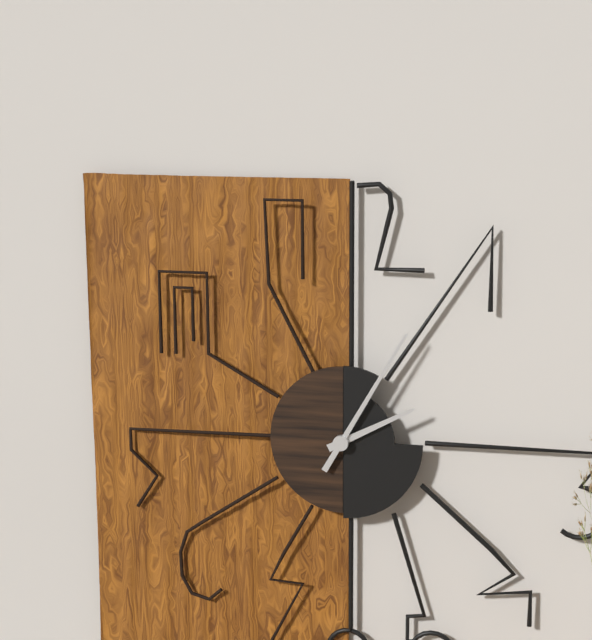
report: 2h05
